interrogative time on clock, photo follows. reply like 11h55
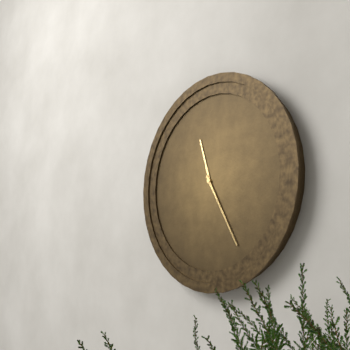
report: 11h25
